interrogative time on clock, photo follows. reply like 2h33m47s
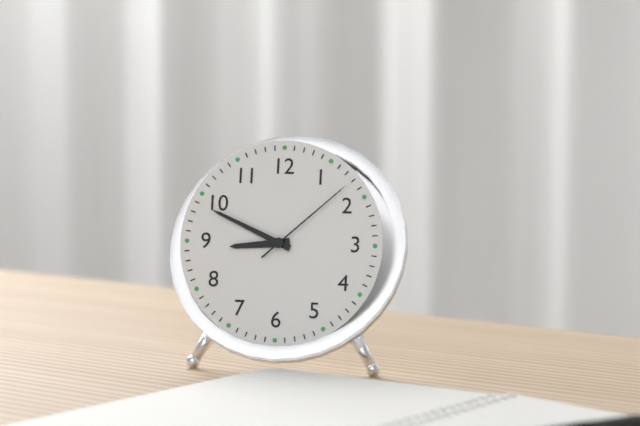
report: 8h49m08s
